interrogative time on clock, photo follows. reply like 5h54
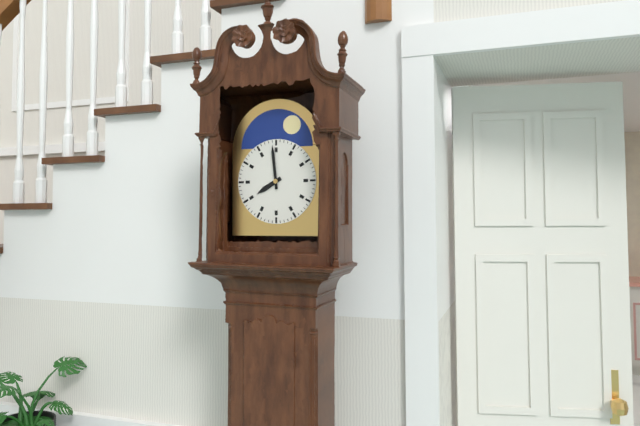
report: 7h59
